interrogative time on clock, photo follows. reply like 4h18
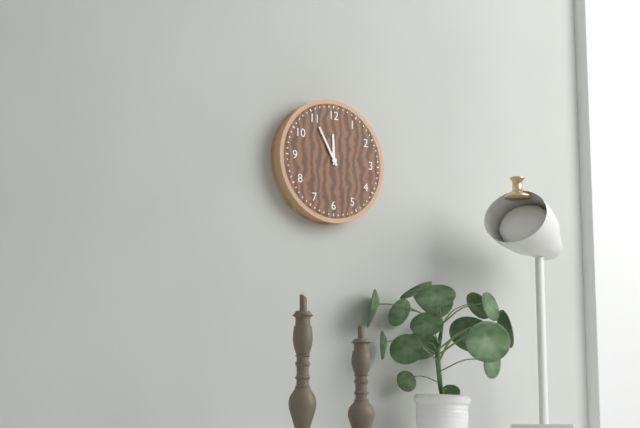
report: 11h55
